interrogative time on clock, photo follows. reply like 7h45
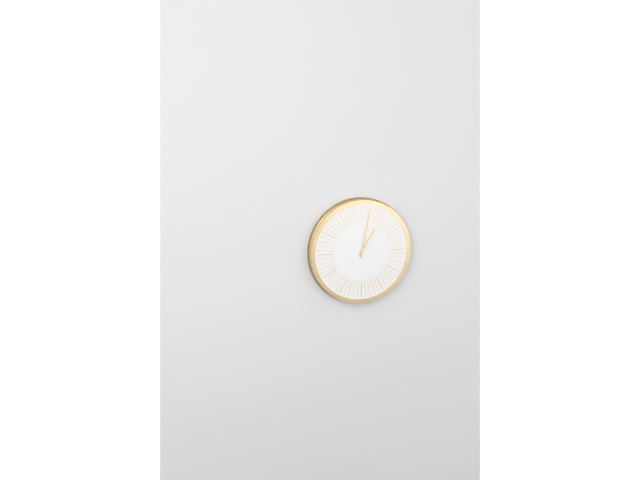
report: 1h02
